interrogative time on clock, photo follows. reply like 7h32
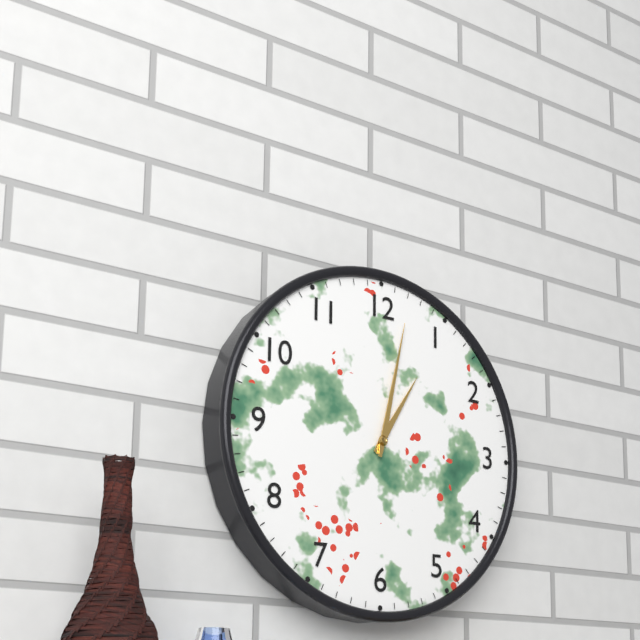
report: 1h02
